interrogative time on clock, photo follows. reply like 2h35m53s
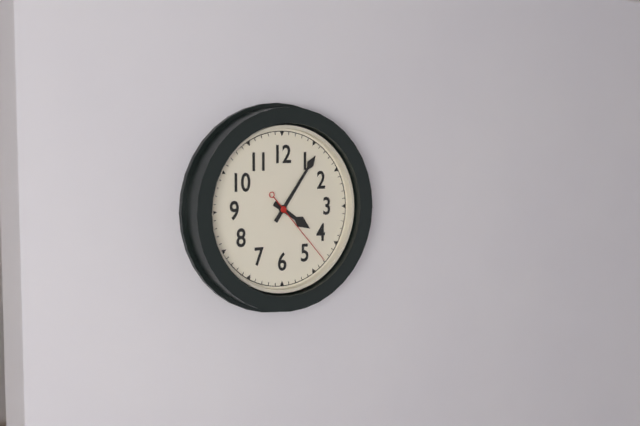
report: 4h06m23s
